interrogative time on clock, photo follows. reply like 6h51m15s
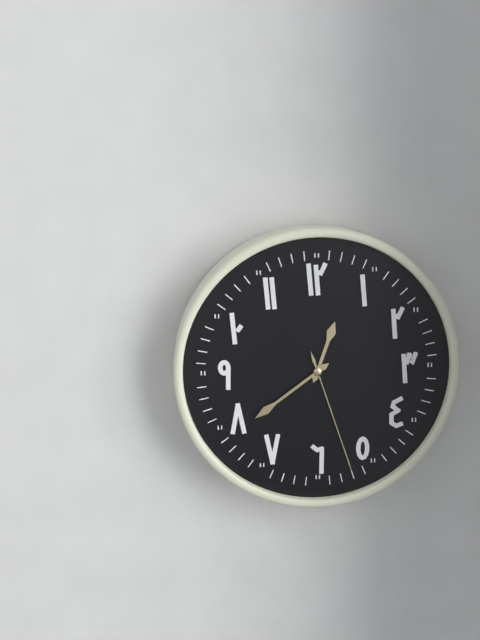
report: 12h39m27s
